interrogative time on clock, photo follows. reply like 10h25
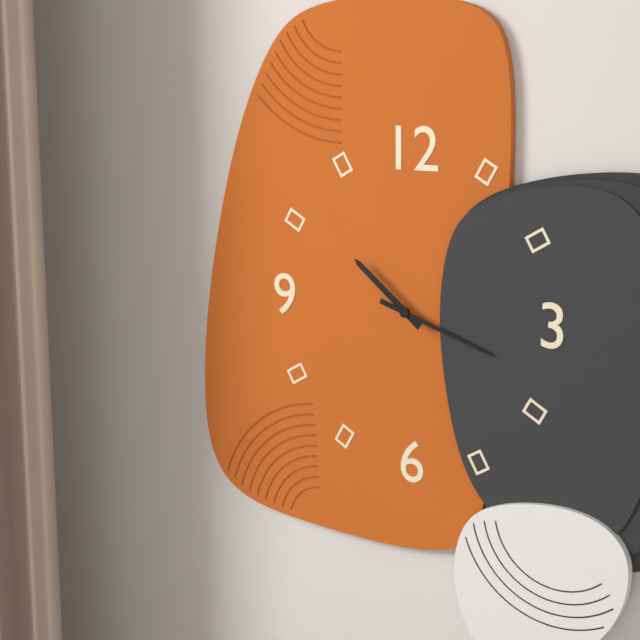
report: 10h18
